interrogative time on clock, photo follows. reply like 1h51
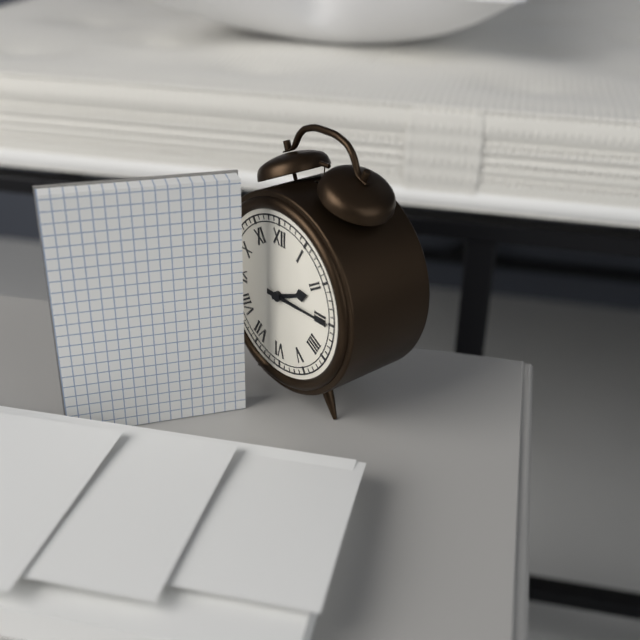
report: 2h15
